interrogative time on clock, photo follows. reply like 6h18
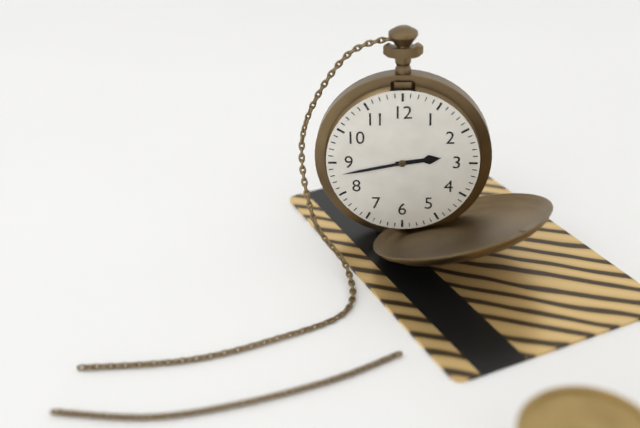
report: 2h43
